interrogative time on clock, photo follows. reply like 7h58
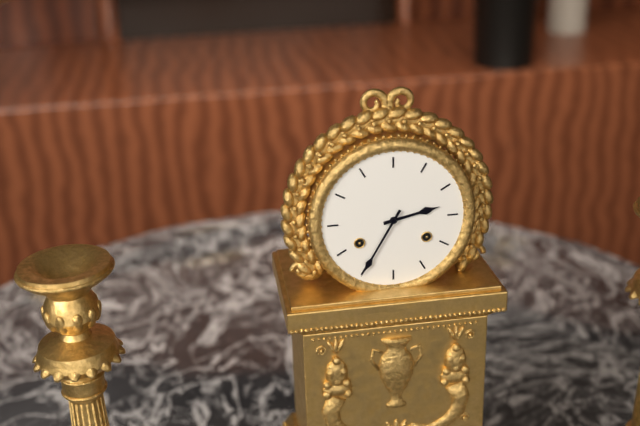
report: 2h35
